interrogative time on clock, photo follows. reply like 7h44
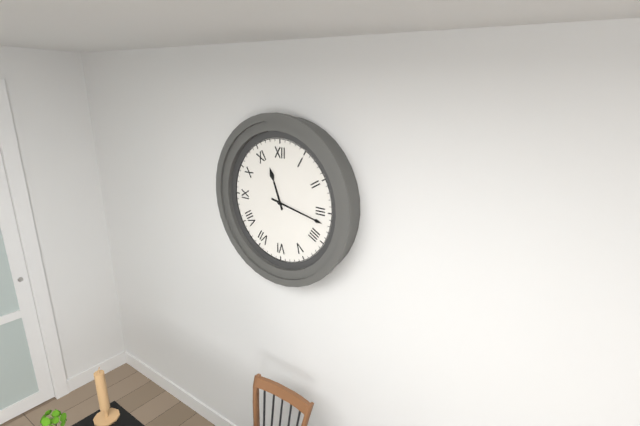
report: 11h17
